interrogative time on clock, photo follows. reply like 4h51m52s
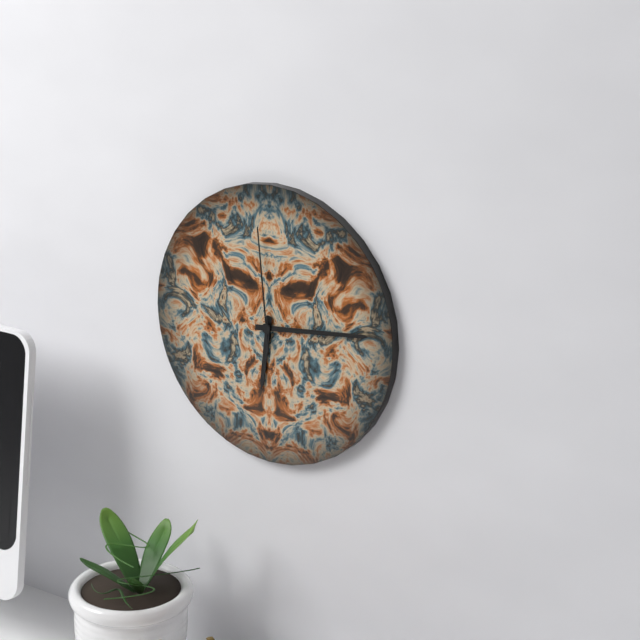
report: 6h14m59s
